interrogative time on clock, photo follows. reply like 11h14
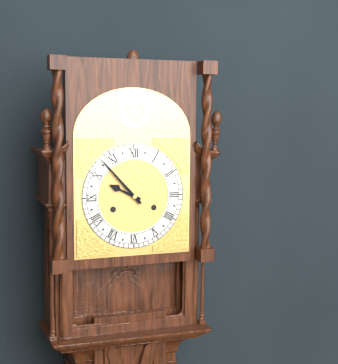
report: 9h53
